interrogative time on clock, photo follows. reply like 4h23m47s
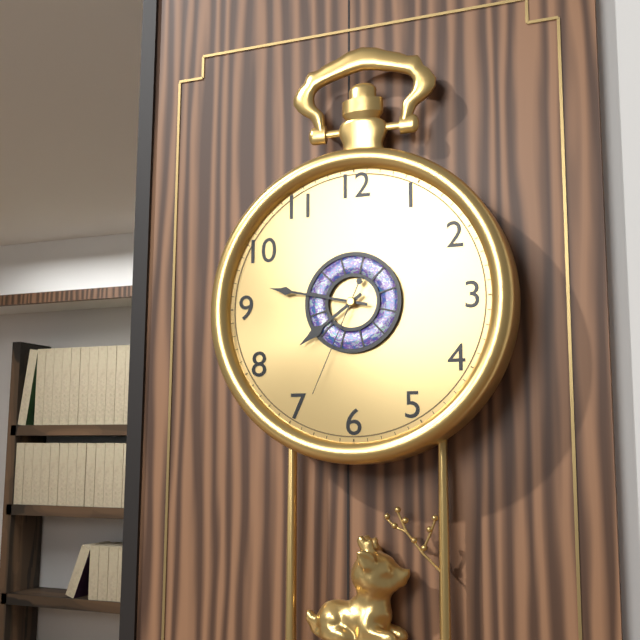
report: 7h47m34s
